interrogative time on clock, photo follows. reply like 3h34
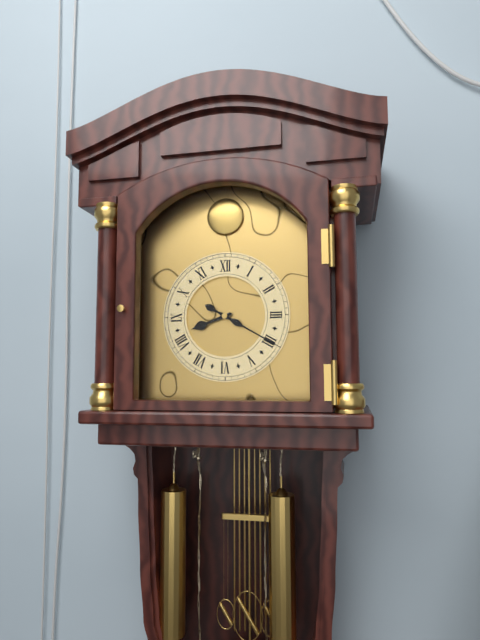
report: 8h20
